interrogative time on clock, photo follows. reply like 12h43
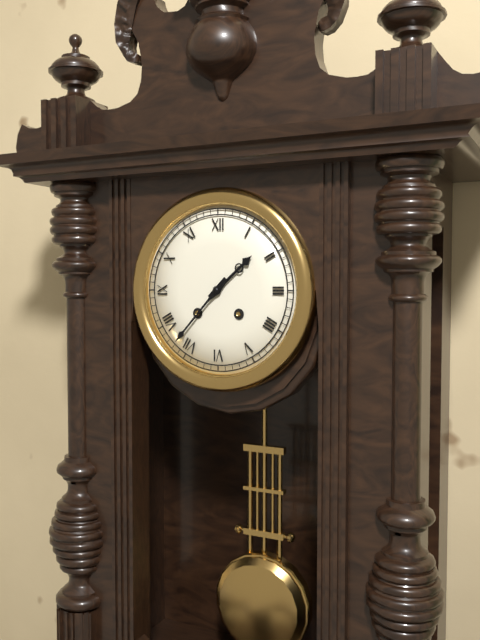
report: 1h37
